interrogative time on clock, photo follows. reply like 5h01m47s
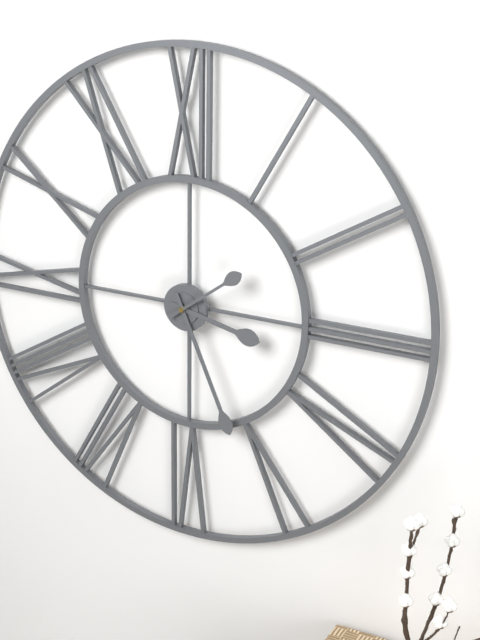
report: 3h26m09s
